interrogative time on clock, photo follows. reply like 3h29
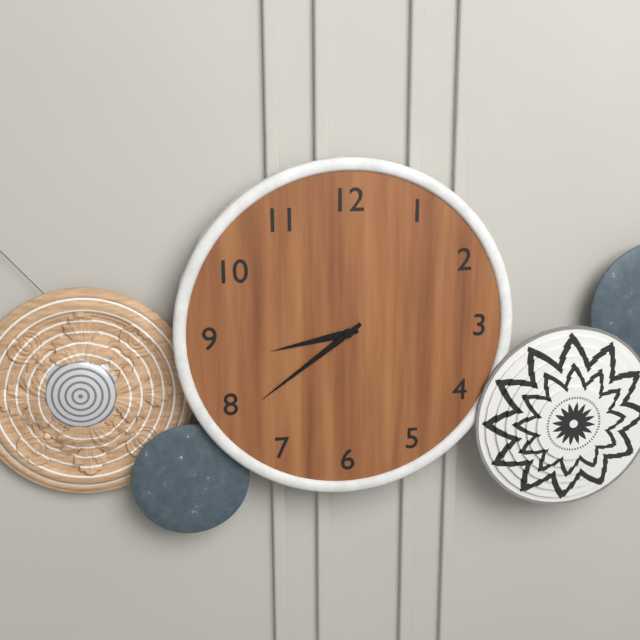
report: 8h39
